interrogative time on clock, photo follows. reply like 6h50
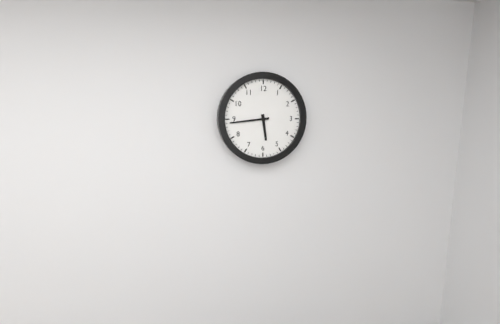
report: 5h44
